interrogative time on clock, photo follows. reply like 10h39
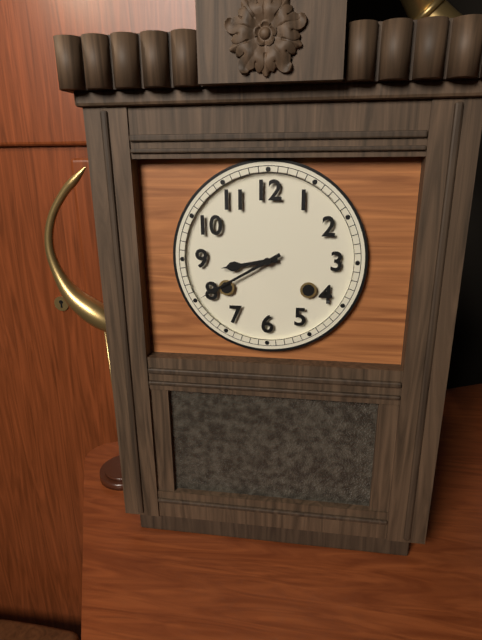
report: 8h40
